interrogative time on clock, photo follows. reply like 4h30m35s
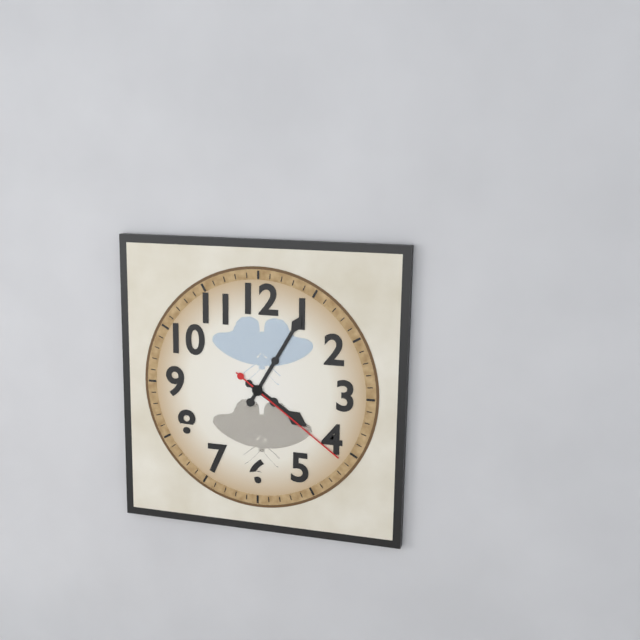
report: 4h05m21s
